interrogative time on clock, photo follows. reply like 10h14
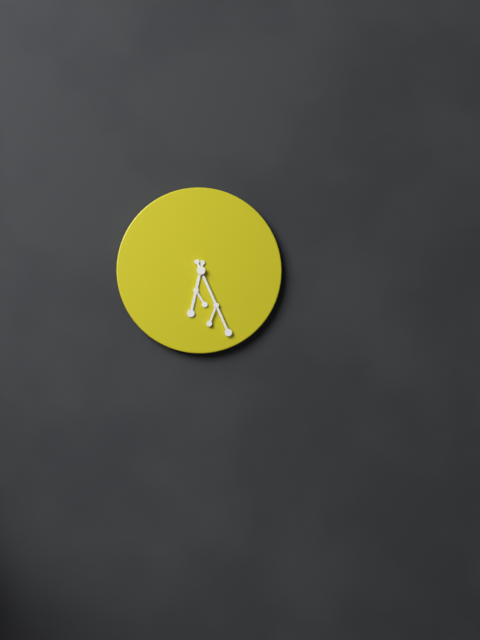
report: 6h26
